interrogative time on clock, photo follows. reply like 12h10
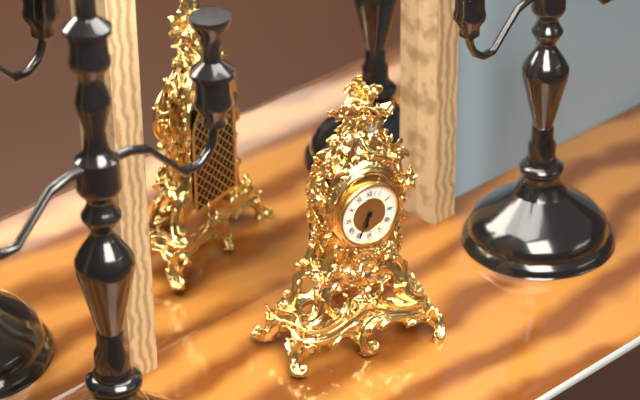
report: 6h35
